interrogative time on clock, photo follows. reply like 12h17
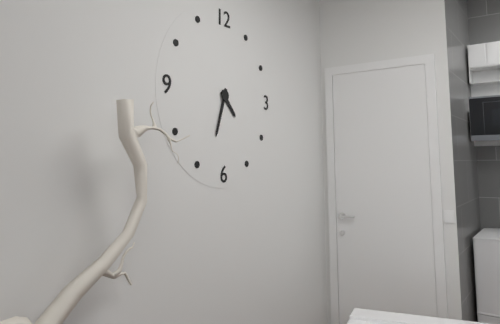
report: 4h33
